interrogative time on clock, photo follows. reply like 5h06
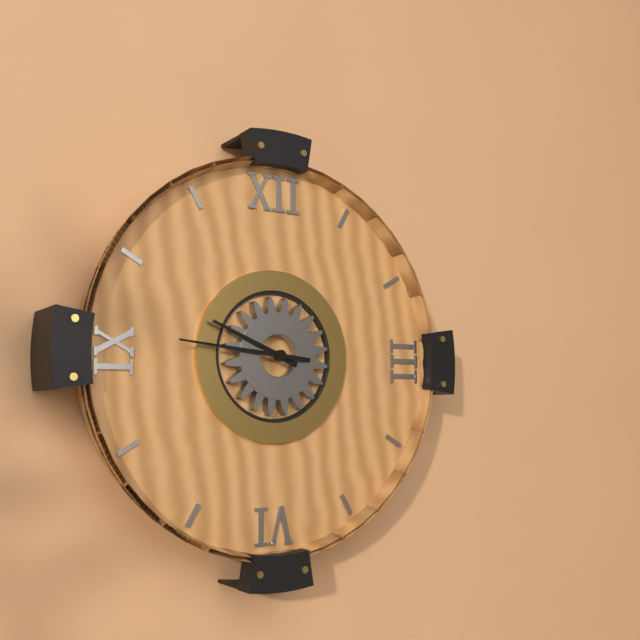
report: 9h46
